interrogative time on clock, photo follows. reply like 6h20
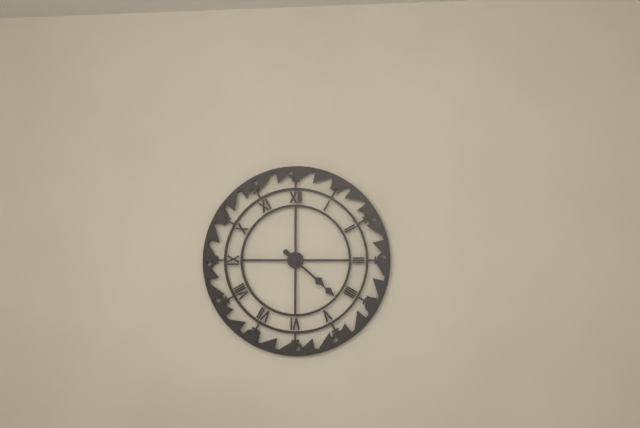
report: 4h22
